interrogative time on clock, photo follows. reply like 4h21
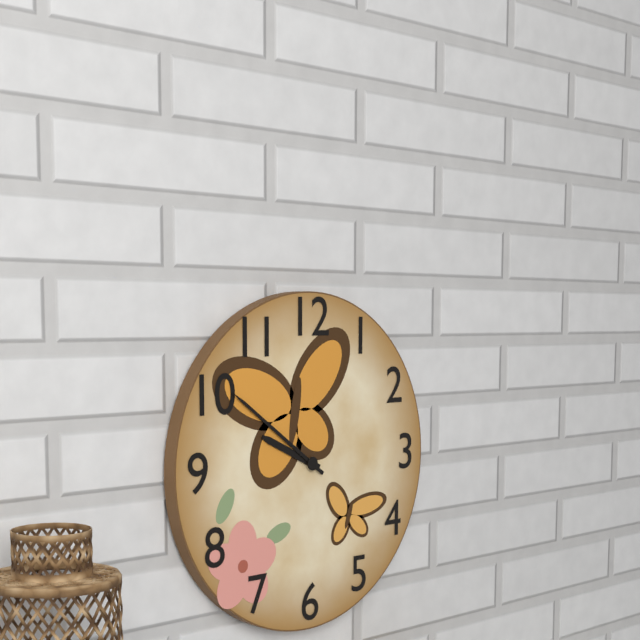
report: 9h51
